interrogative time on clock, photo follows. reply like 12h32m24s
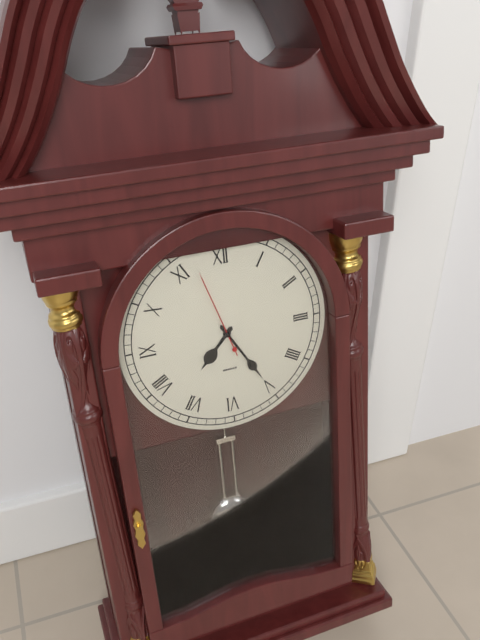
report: 7h25m57s
